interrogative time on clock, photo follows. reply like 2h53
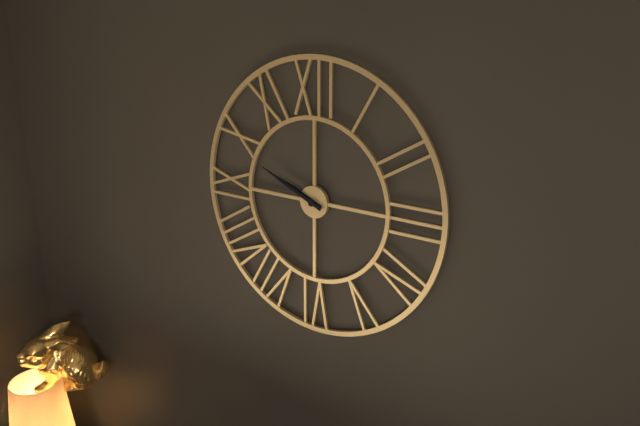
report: 9h49
